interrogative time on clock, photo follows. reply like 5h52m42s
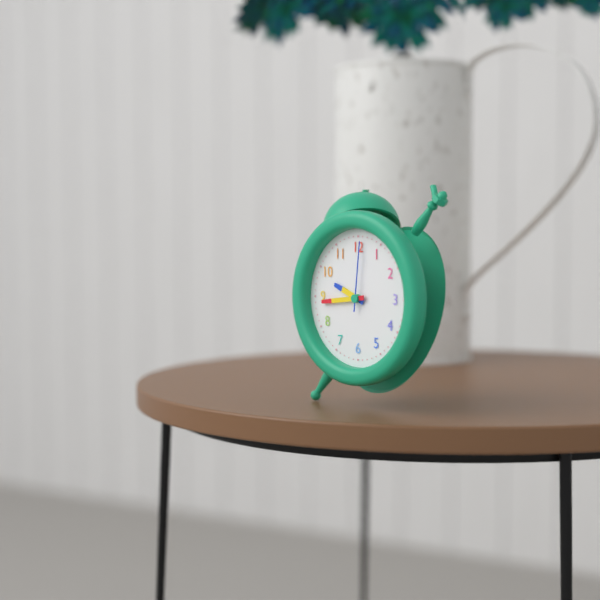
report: 9h44m01s
